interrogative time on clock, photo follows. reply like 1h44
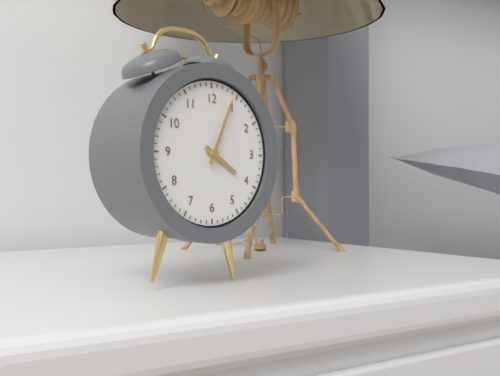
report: 4h04
